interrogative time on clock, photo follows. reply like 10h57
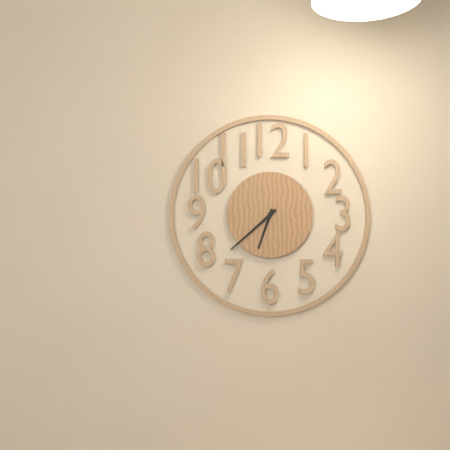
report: 6h38
